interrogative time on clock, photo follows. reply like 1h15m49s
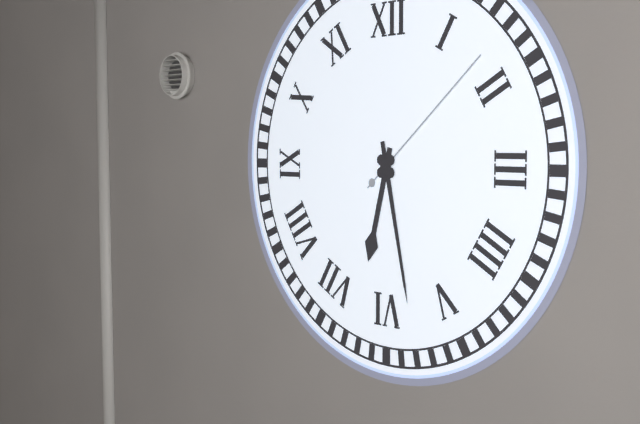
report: 6h28m08s
